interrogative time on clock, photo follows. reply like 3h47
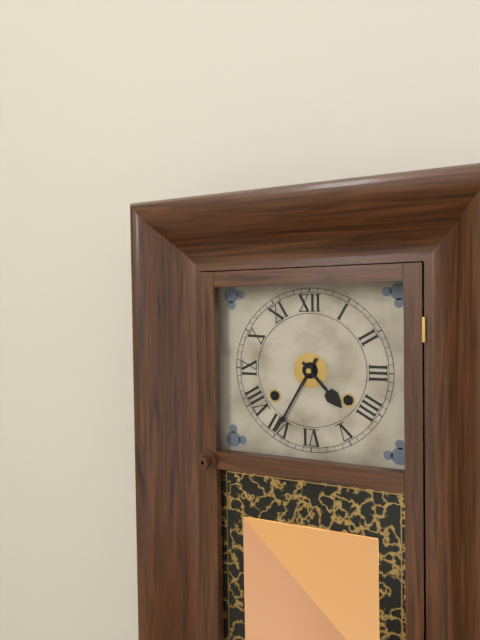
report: 4h35
